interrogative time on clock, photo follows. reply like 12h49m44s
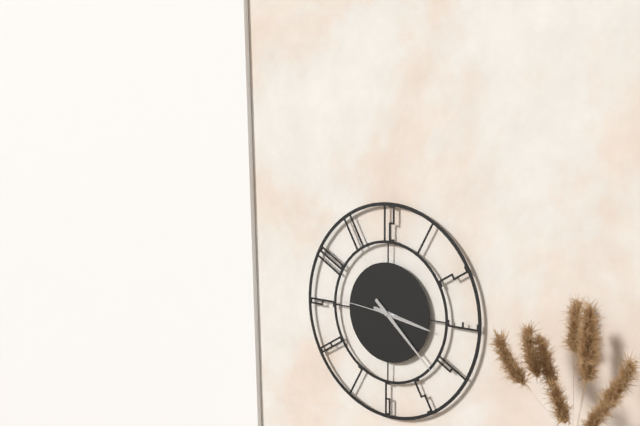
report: 3h22m46s
